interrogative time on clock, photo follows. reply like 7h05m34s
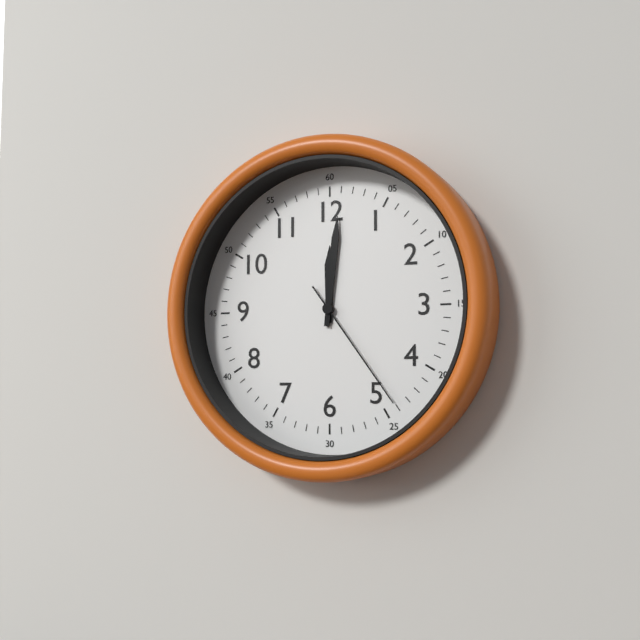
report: 12h01m24s
